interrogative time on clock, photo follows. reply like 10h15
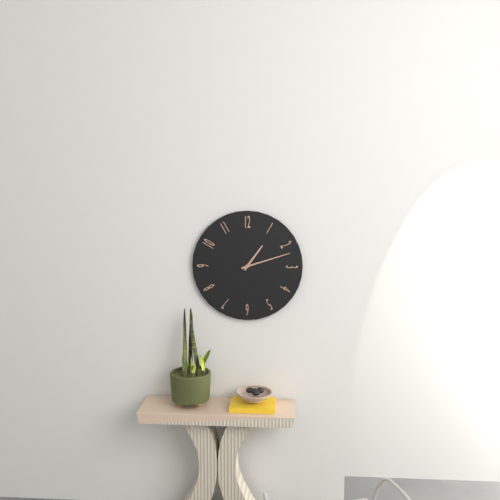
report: 1h12
